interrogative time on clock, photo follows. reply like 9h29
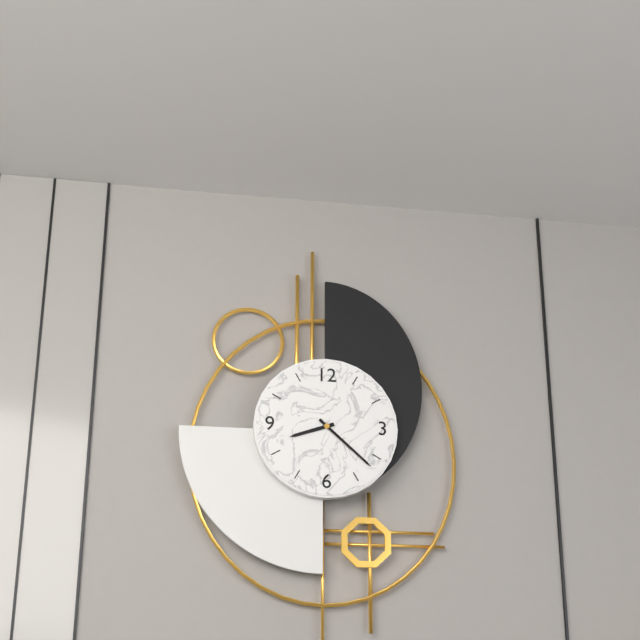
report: 8h22
